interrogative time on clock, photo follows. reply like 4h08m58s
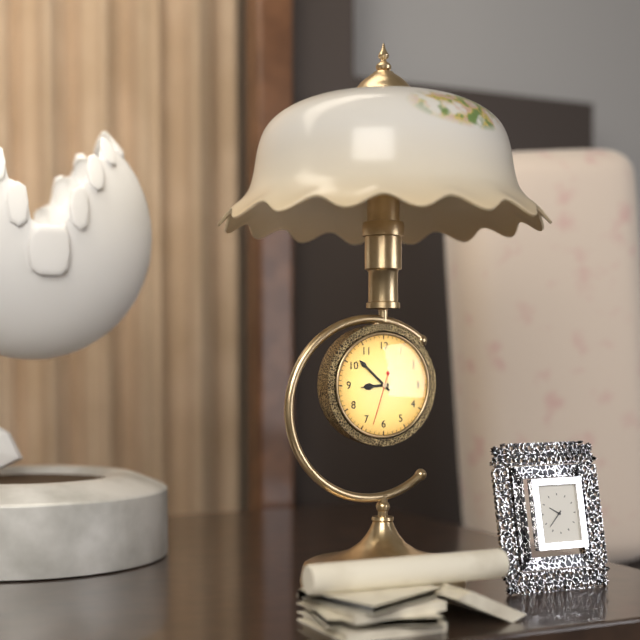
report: 8h52m33s
